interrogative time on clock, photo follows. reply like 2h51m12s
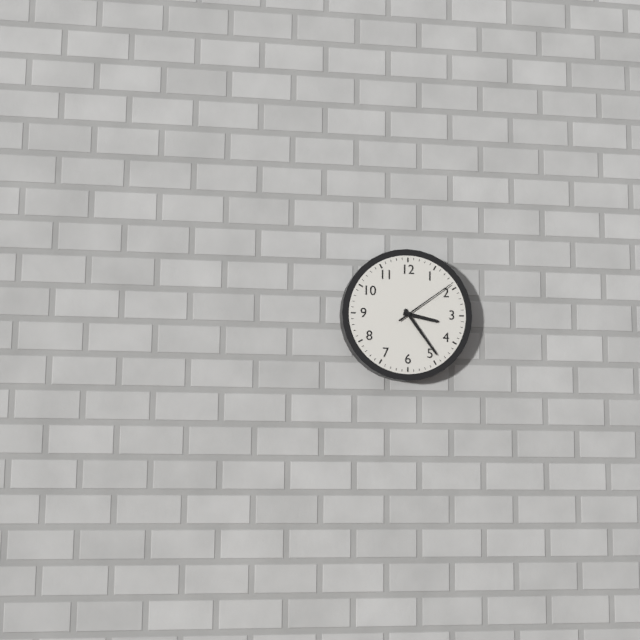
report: 3h24m09s
